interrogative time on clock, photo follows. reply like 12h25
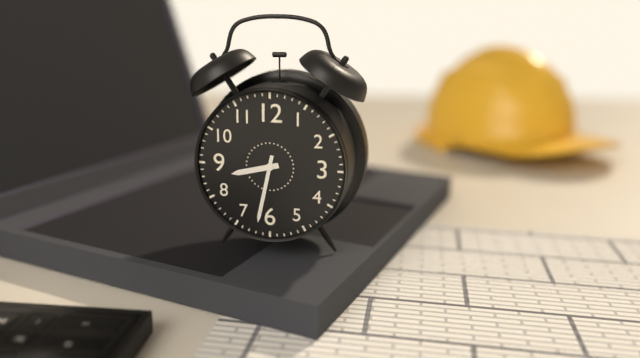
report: 8h32
